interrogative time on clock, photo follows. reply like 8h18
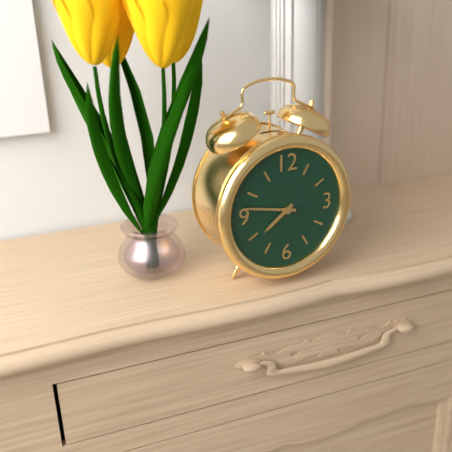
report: 7h47
